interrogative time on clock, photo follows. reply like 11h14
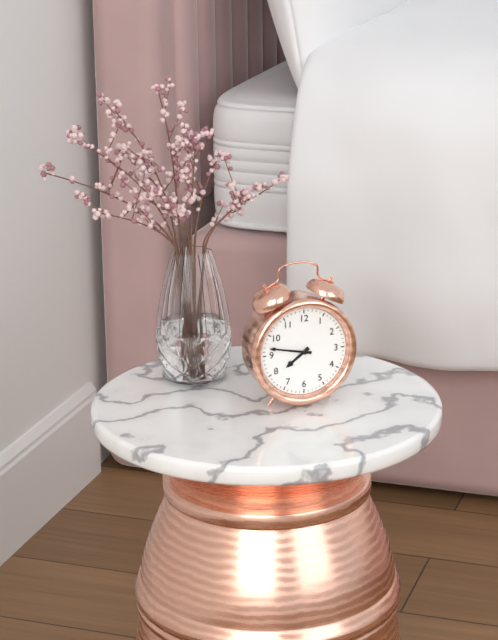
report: 7h47
